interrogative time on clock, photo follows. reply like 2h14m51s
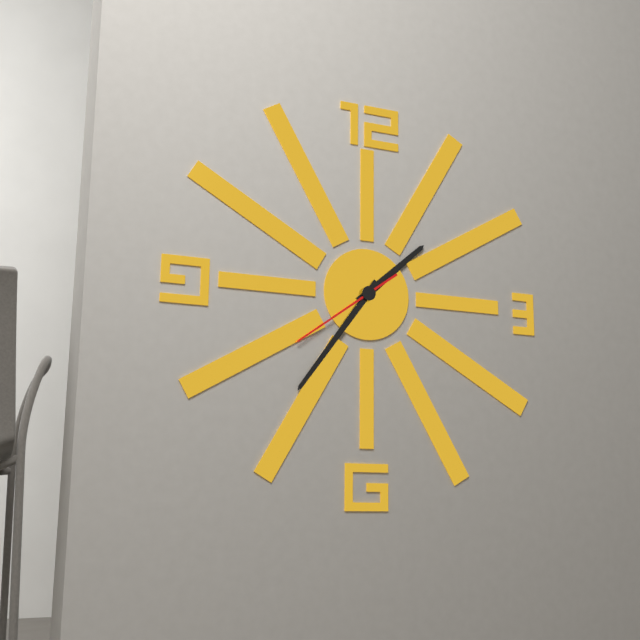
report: 1h36m39s
